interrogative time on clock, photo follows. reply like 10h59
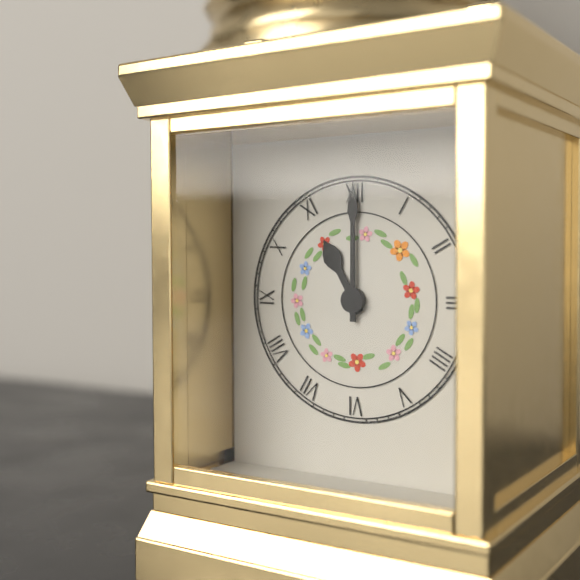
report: 11h00
